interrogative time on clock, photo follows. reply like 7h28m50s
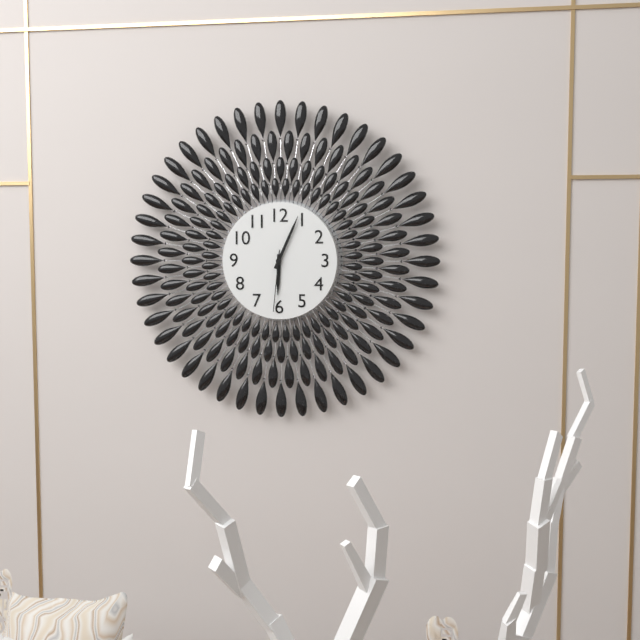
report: 6h04m31s
